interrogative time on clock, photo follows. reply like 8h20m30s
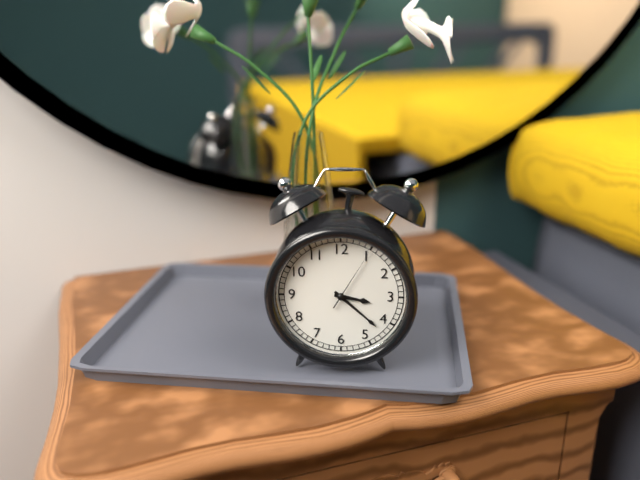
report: 3h22m05s
